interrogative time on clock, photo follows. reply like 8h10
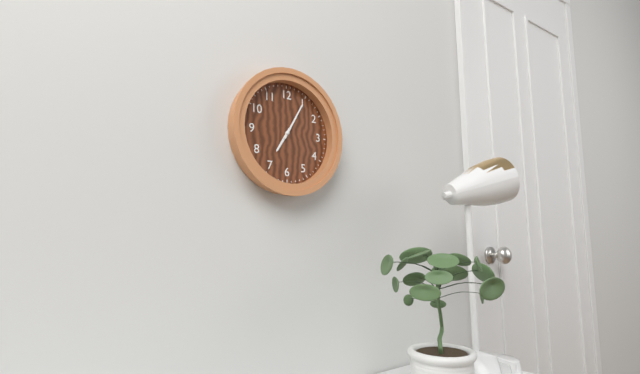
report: 7h05
